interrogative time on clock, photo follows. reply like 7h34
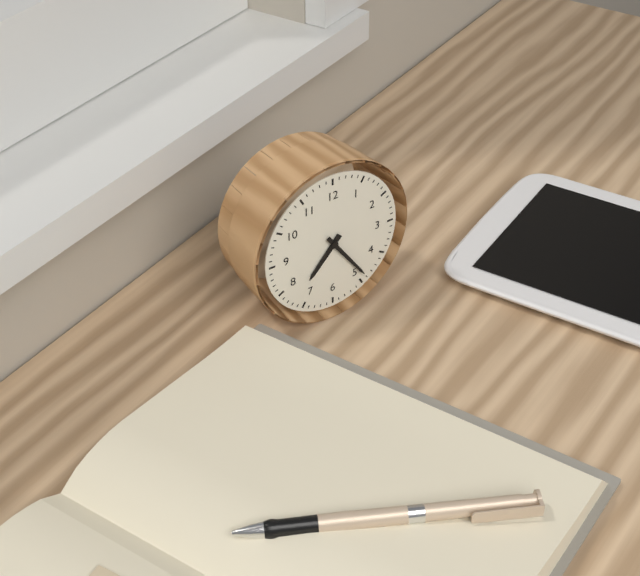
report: 7h24
